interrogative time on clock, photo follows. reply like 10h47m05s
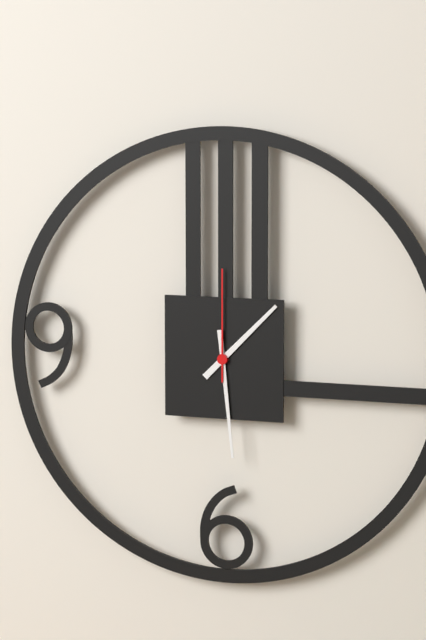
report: 1h29m00s
